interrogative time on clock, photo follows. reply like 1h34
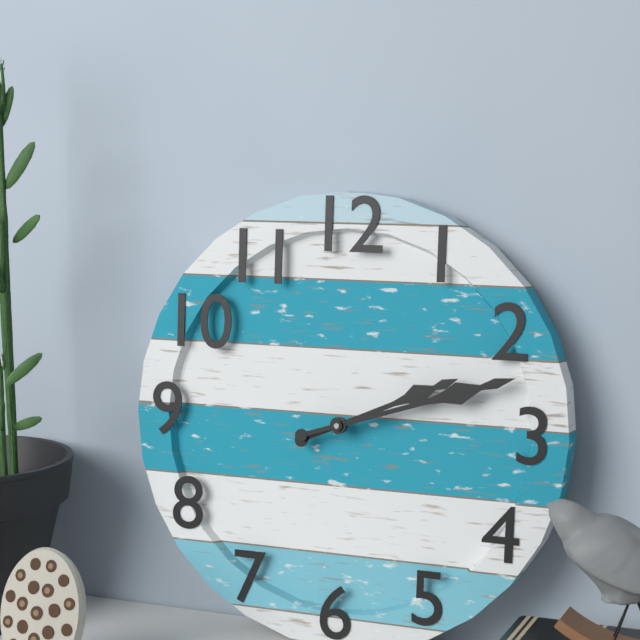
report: 2h12
